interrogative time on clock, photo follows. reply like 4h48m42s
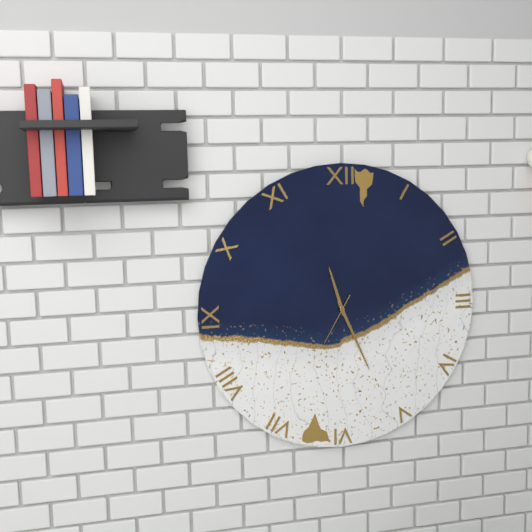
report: 11h26m35s
